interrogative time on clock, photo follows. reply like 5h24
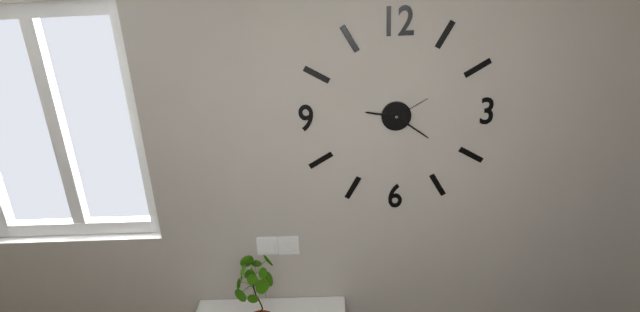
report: 9h21
